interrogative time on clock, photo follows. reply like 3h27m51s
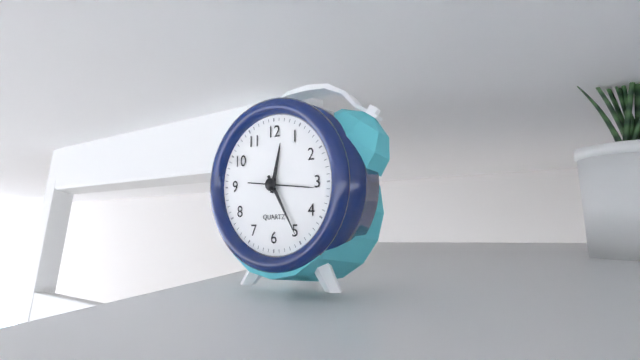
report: 12h25m16s
